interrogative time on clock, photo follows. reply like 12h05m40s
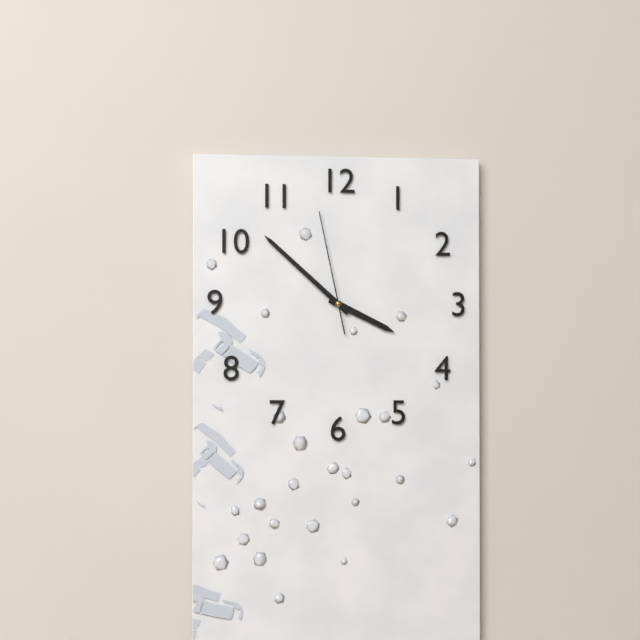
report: 3h52m58s
